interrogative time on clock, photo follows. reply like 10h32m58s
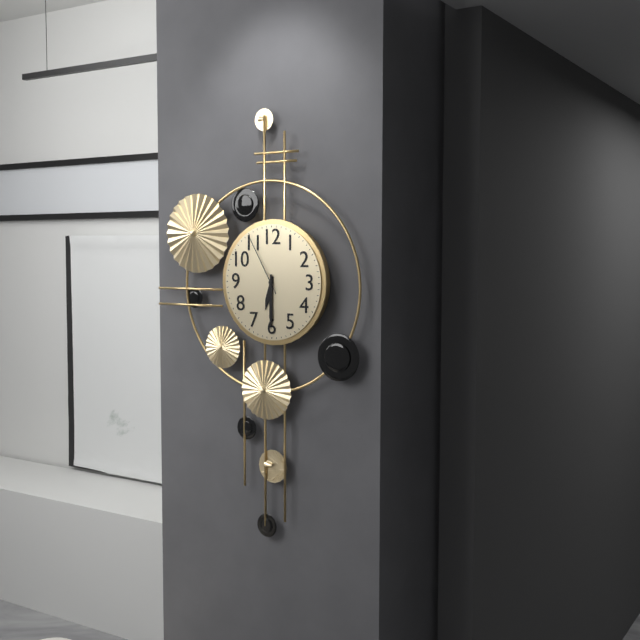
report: 6h30m55s
